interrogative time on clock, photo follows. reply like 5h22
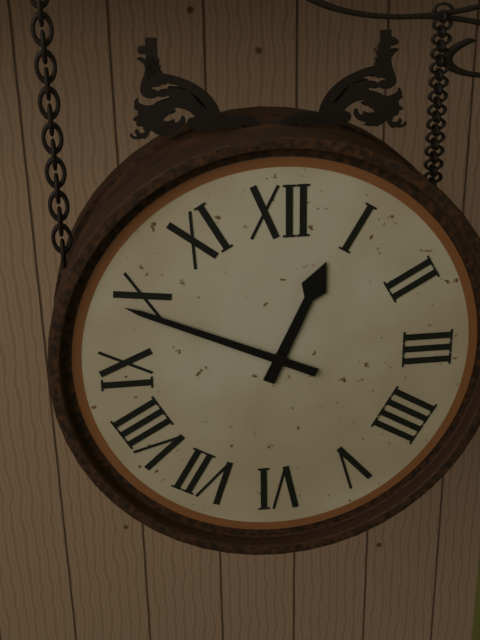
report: 12h49
